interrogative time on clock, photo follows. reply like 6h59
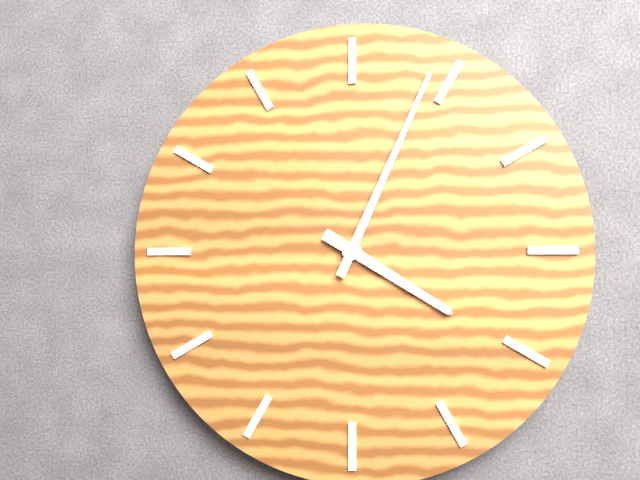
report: 4h04
